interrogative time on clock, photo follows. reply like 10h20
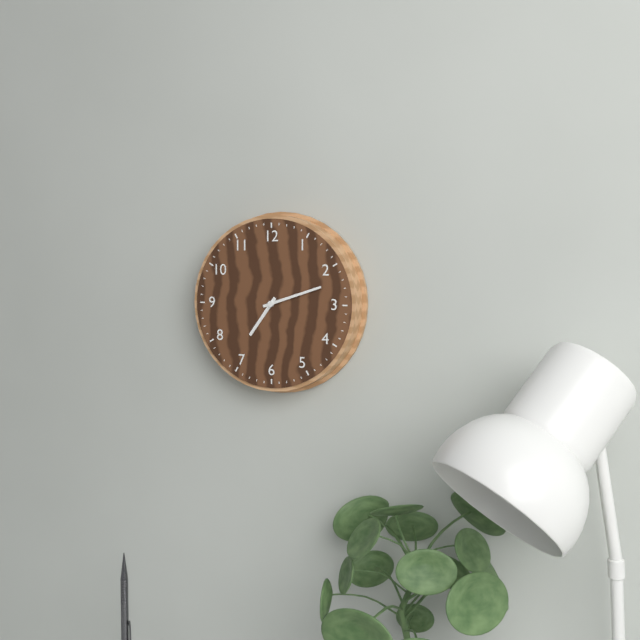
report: 7h12
